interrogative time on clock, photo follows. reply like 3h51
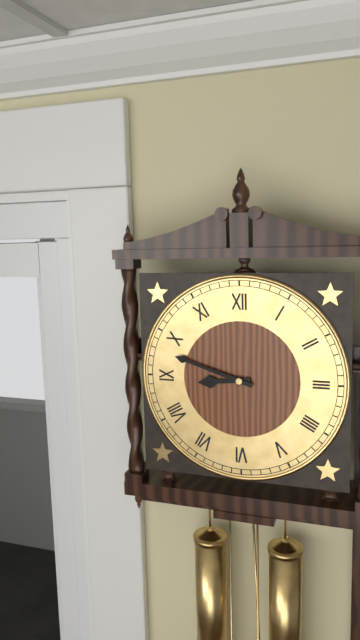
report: 8h48
